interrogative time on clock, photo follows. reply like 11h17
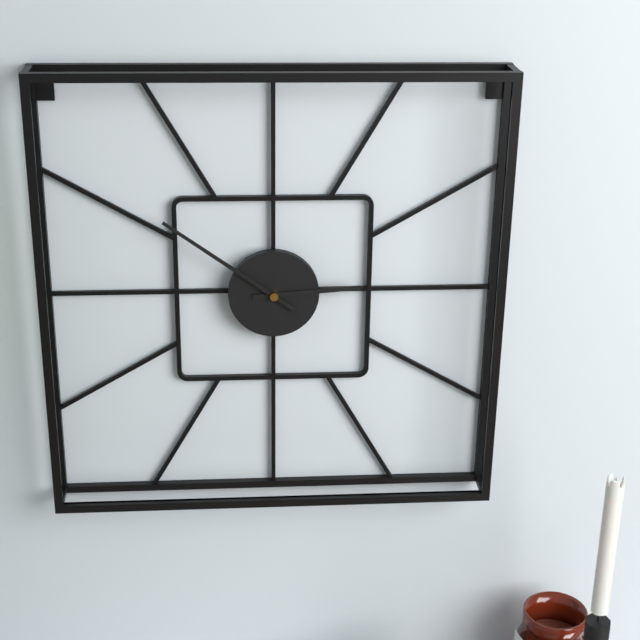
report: 2h51
